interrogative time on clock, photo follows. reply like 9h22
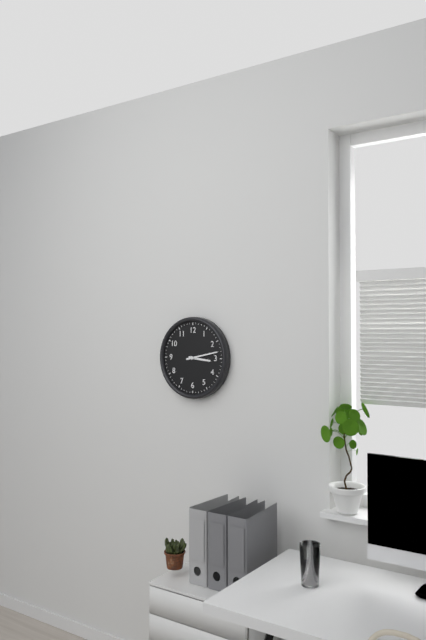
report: 3h13
